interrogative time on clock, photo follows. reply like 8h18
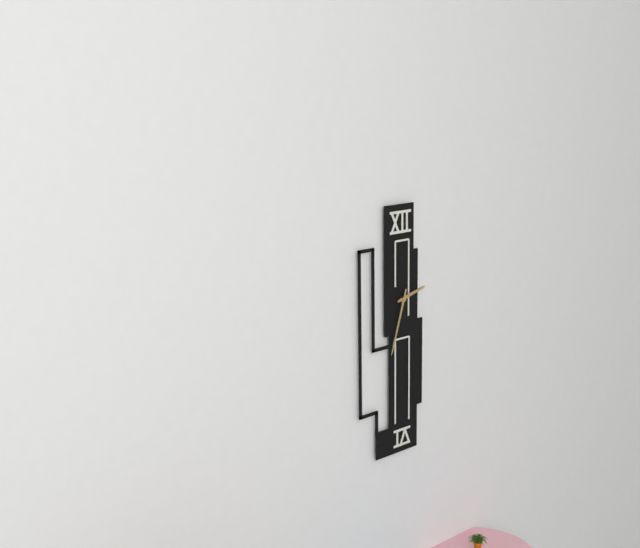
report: 2h33
